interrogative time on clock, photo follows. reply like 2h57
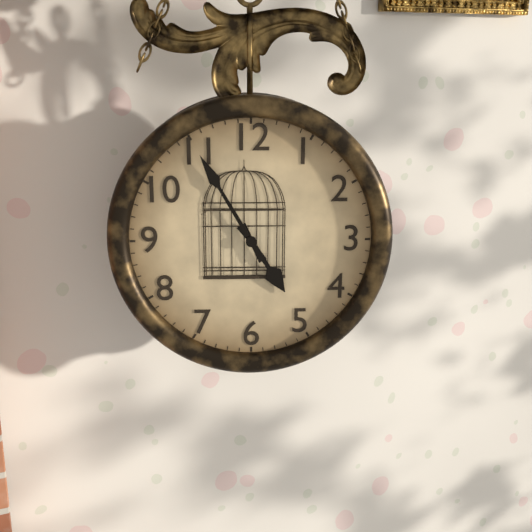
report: 4h55
